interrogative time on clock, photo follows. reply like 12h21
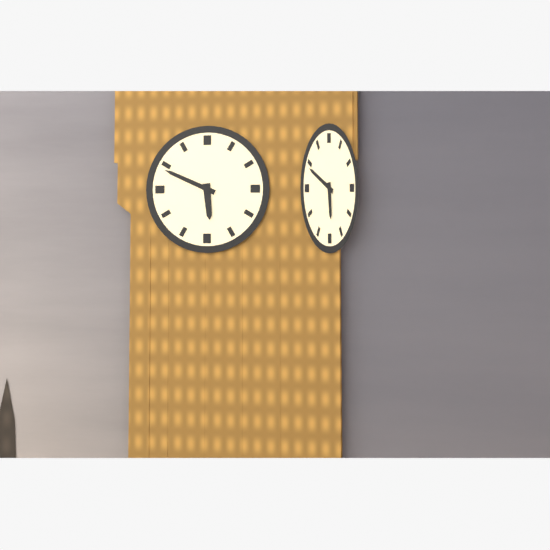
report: 5h49
